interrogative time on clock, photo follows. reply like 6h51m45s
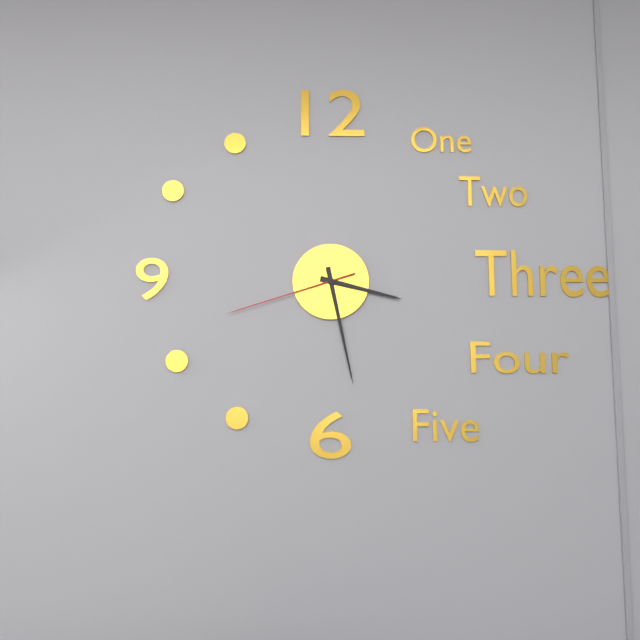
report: 3h28m42s
